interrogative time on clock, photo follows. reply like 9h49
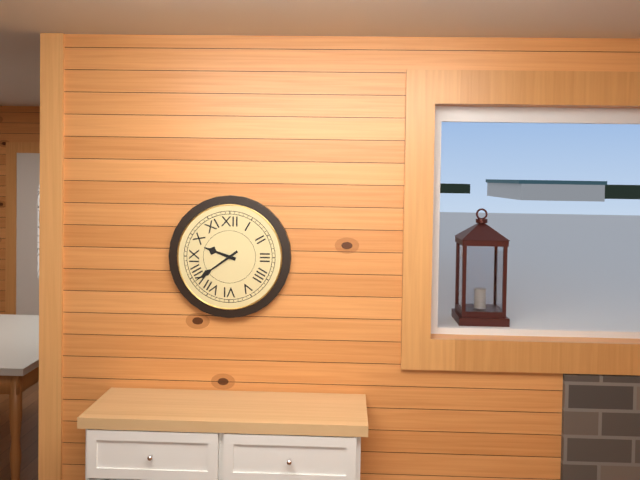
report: 9h39
